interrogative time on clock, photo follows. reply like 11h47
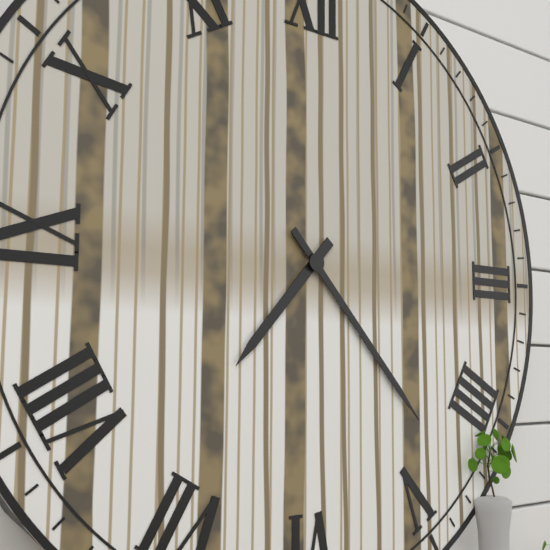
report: 7h23
